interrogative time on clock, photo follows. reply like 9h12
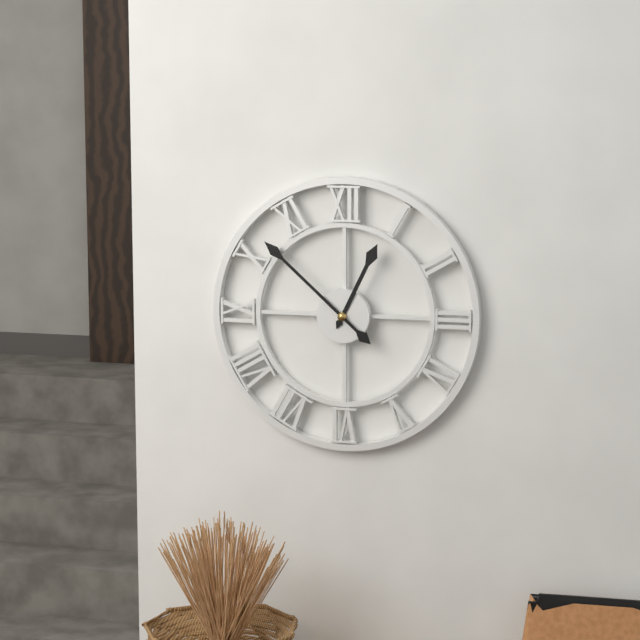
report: 12h52
